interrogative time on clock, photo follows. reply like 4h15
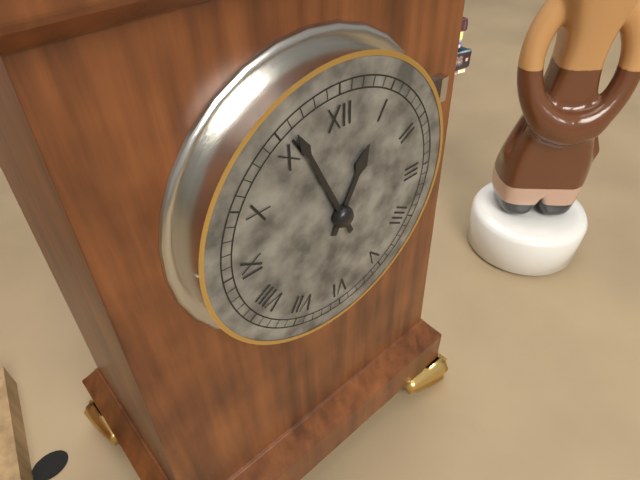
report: 12h56
